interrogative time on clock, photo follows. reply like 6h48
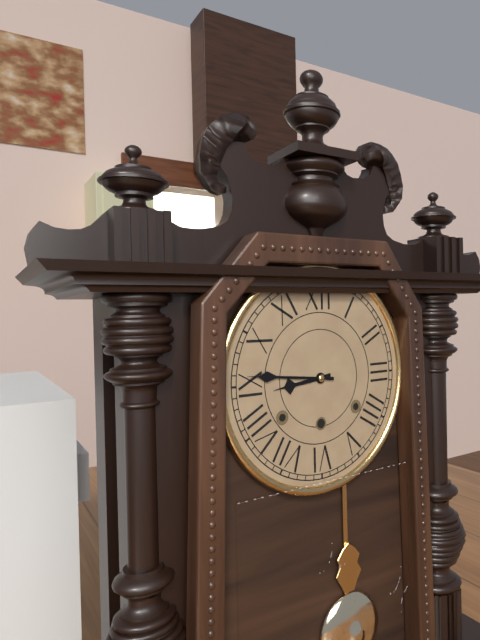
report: 8h46
